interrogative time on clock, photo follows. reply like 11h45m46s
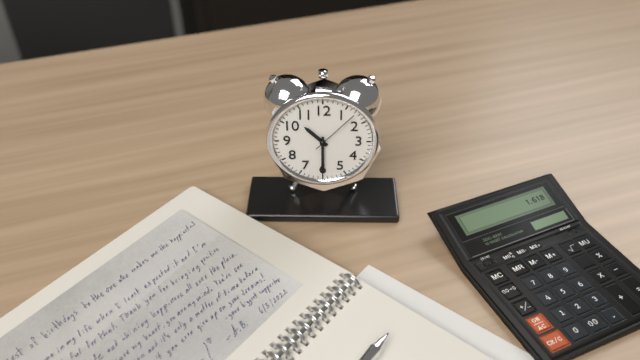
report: 10h30m07s
